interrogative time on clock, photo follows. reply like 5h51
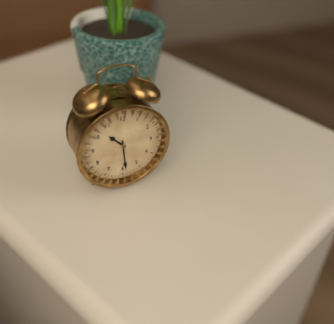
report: 10h29
